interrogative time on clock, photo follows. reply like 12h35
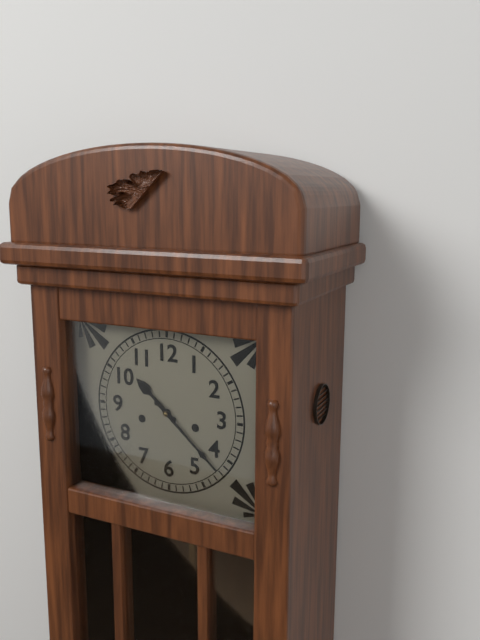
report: 10h22
